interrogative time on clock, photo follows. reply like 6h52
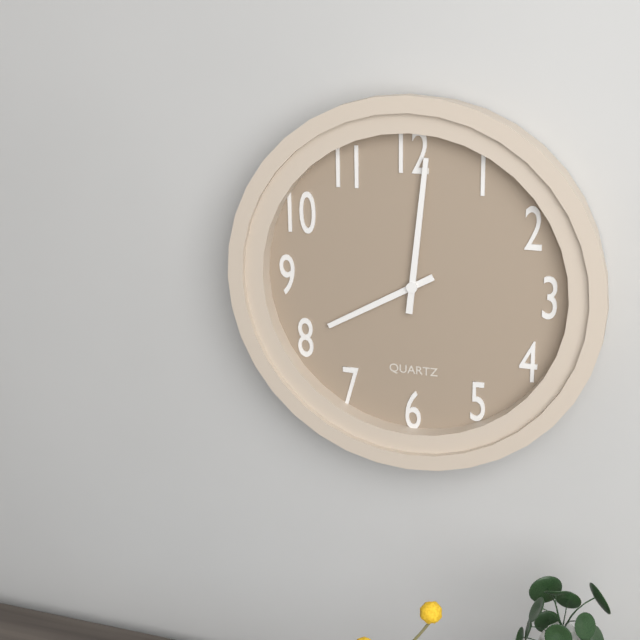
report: 8h01
